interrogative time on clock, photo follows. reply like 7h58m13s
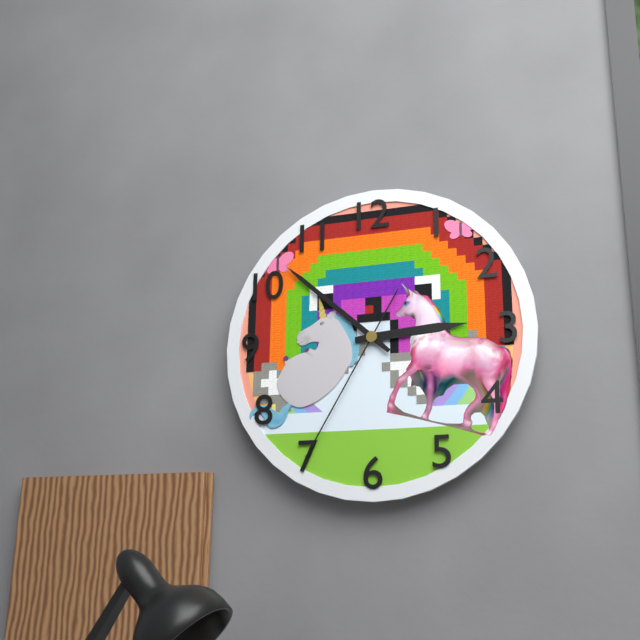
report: 2h52m35s
